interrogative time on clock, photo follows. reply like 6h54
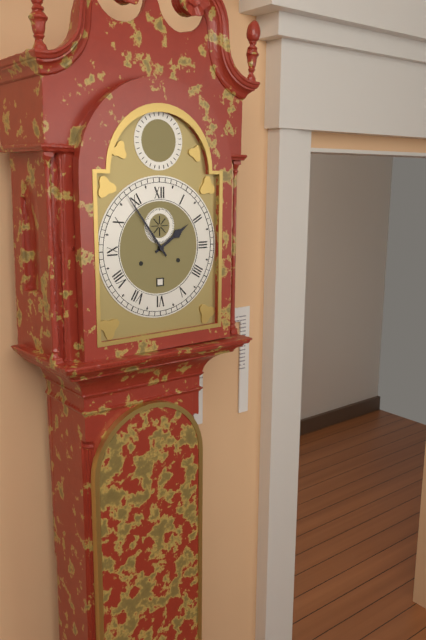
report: 1h54
